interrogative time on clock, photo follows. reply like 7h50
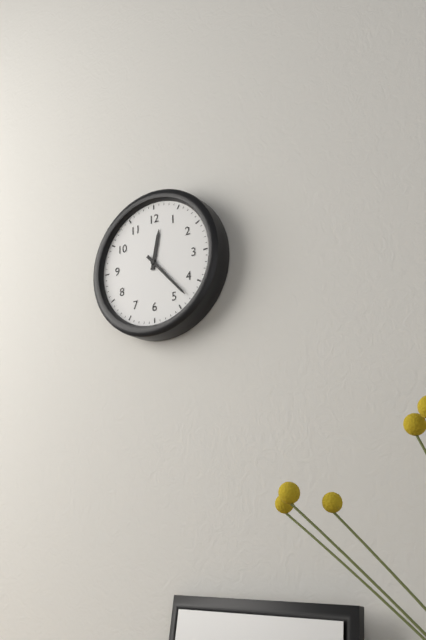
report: 12h23
